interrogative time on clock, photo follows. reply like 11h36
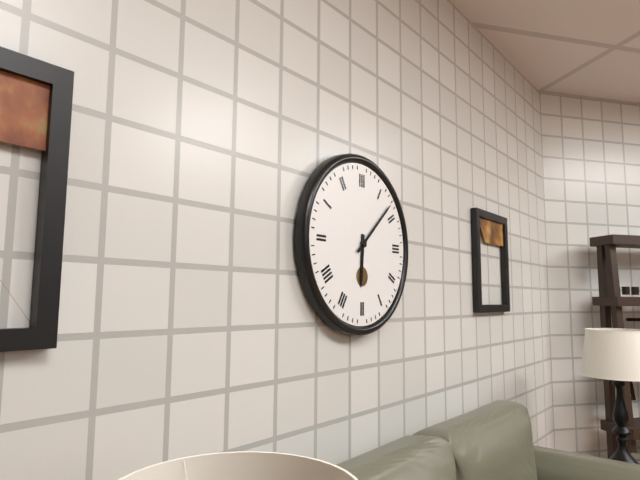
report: 6h08
